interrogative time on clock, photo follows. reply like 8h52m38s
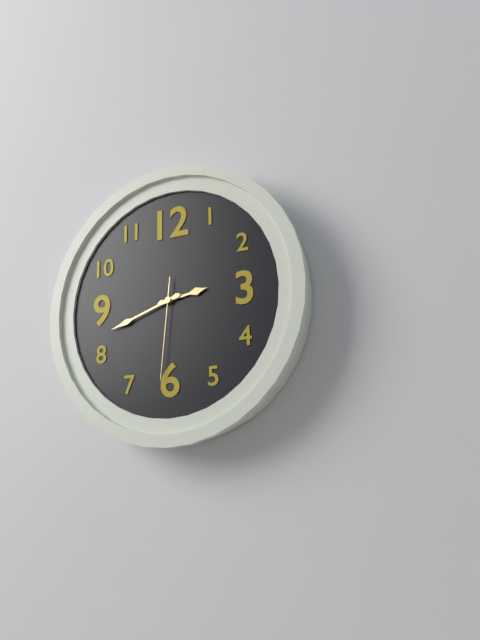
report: 2h42m31s
